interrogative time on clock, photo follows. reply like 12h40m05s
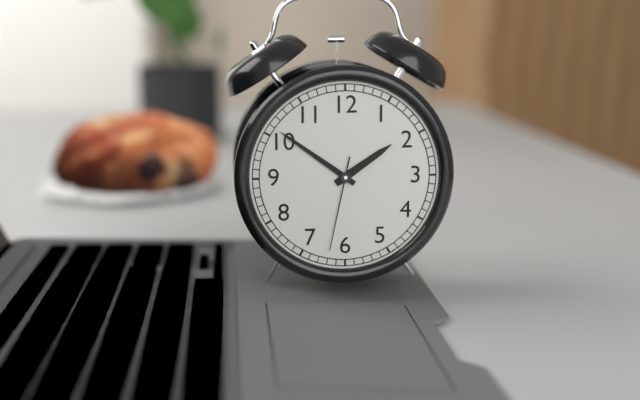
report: 1h51m32s
